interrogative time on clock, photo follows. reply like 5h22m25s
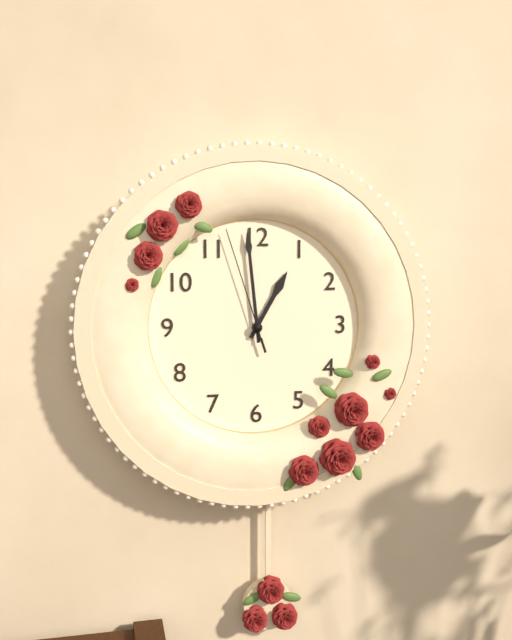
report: 12h59m57s
